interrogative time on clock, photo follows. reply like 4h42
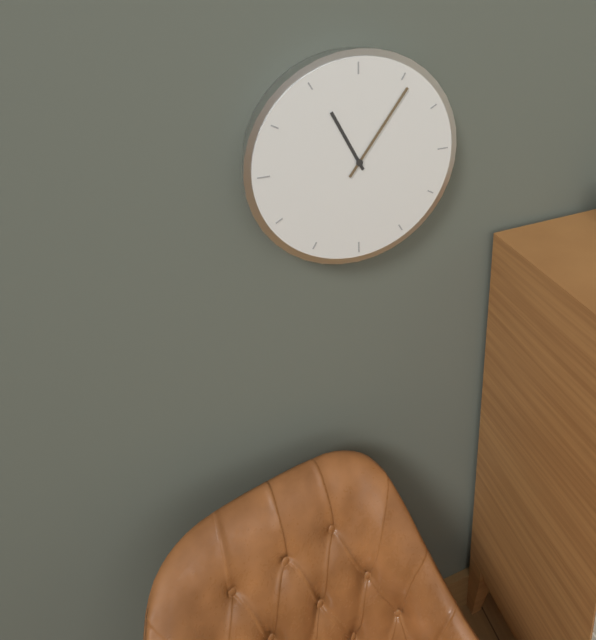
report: 11h06
